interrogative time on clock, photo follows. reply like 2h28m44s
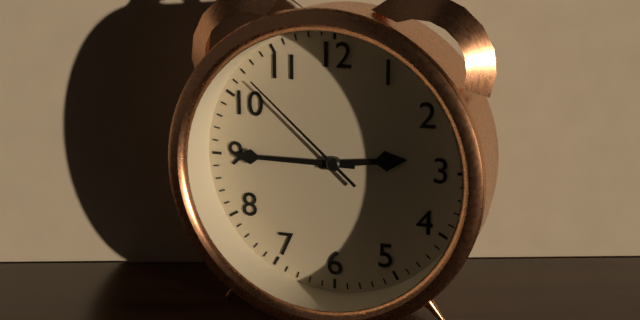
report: 2h45m52s
